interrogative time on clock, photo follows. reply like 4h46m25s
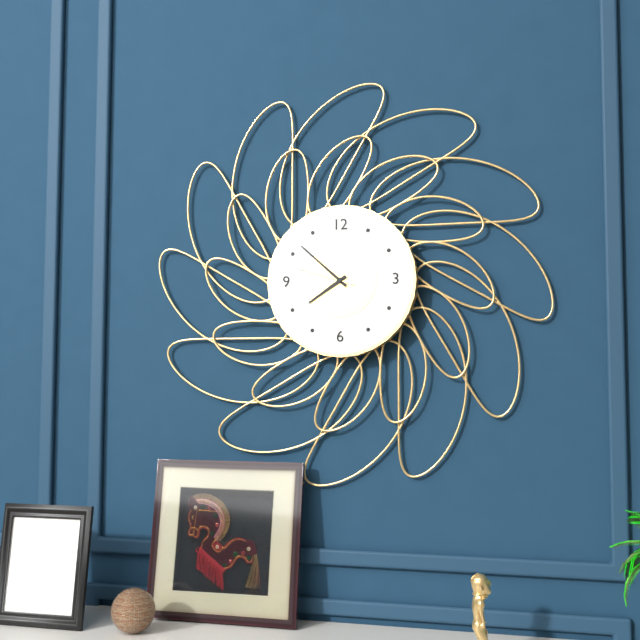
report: 7h52m48s
